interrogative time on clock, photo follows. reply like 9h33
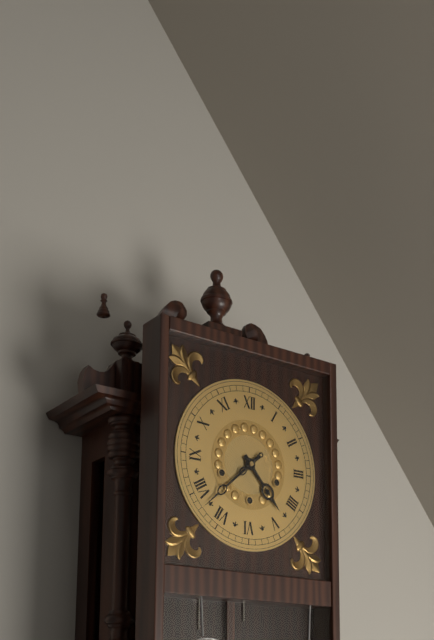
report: 4h38
